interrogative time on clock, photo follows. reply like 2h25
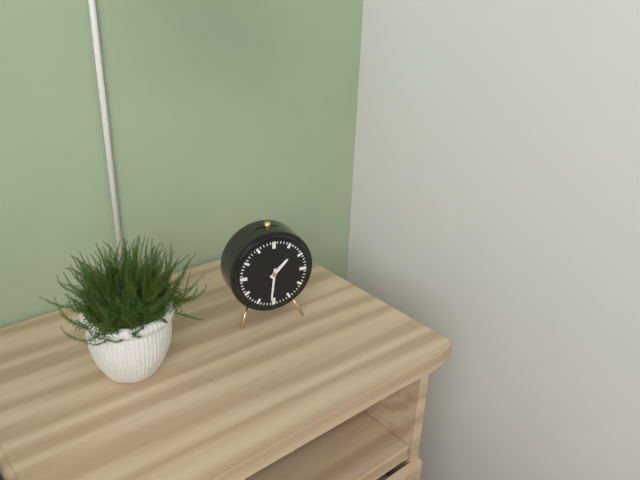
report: 1h31
